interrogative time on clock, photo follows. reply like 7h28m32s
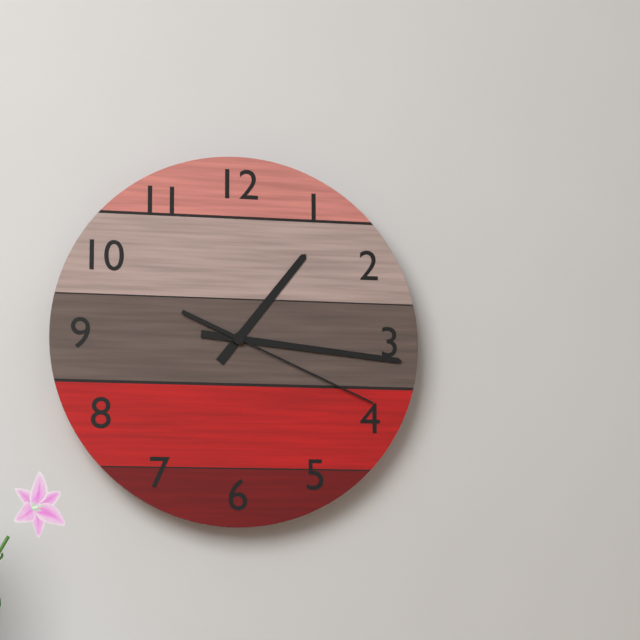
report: 1h16m19s
